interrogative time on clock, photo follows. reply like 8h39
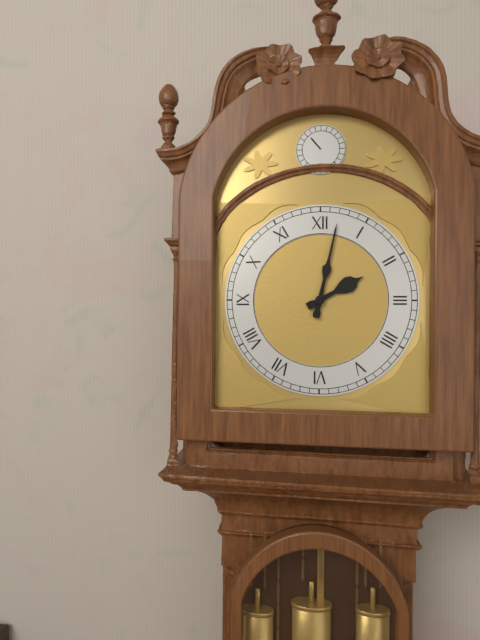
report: 2h02
